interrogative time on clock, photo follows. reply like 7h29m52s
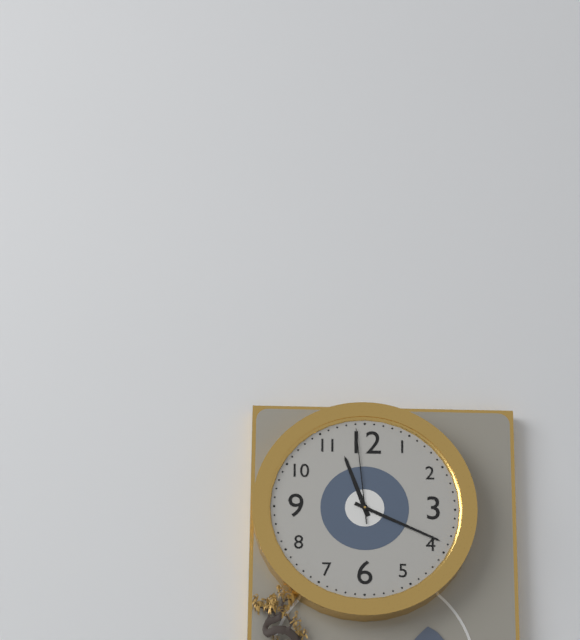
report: 11h19m59s
